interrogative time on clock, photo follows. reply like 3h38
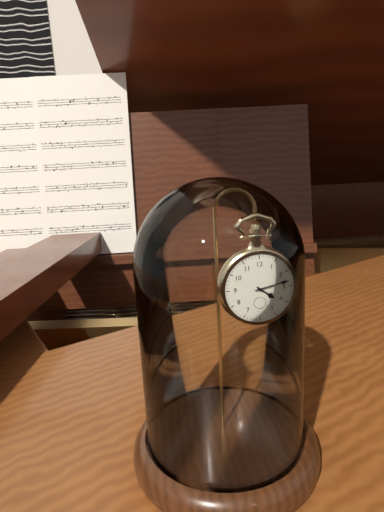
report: 4h13
